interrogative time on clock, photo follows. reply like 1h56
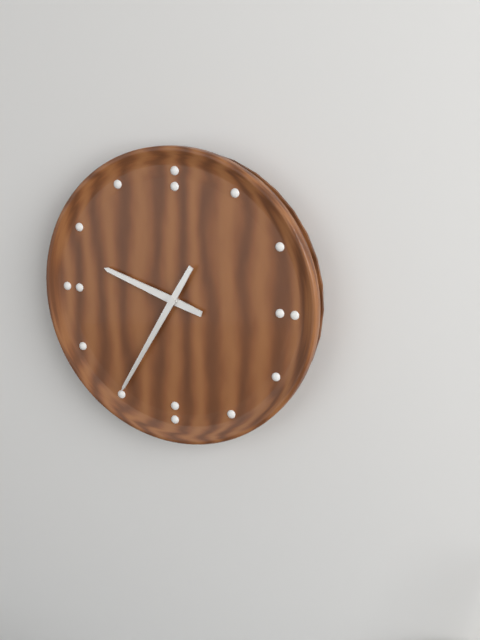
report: 9h35
